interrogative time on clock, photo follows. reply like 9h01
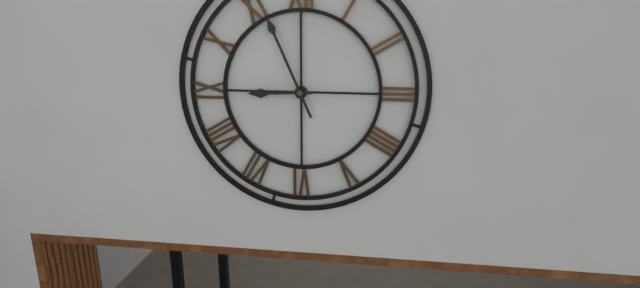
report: 8h56
